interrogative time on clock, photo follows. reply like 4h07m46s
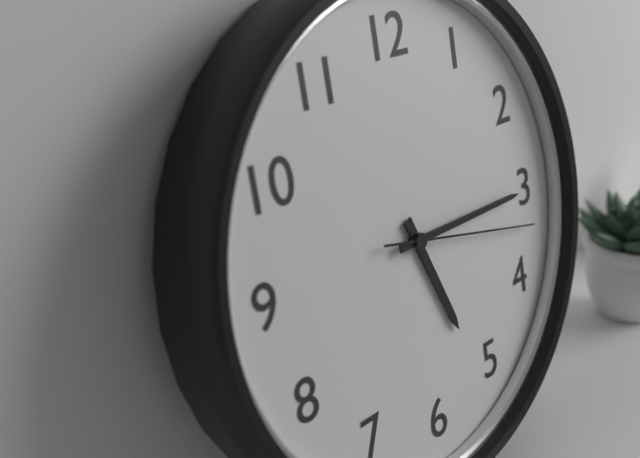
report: 5h15m17s
